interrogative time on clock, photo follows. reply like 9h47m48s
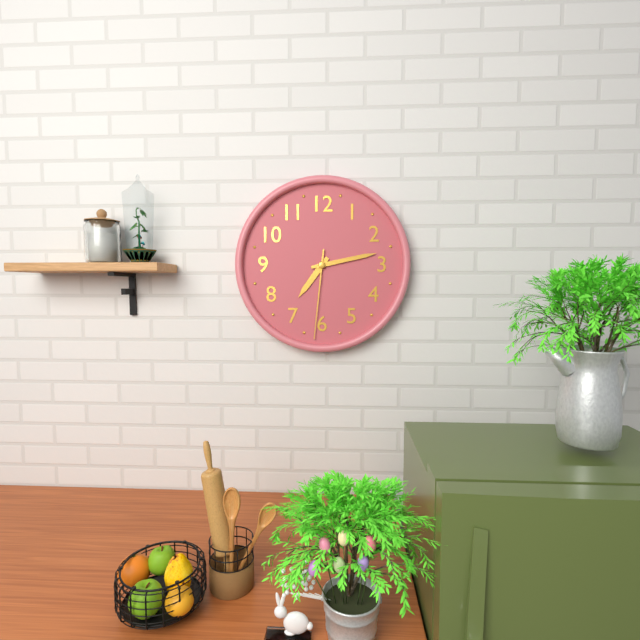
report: 7h13m31s
